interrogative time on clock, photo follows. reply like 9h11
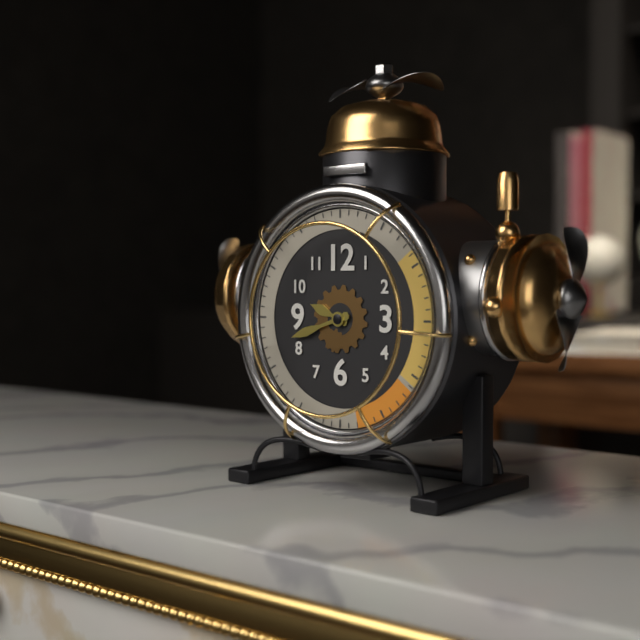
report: 9h42
